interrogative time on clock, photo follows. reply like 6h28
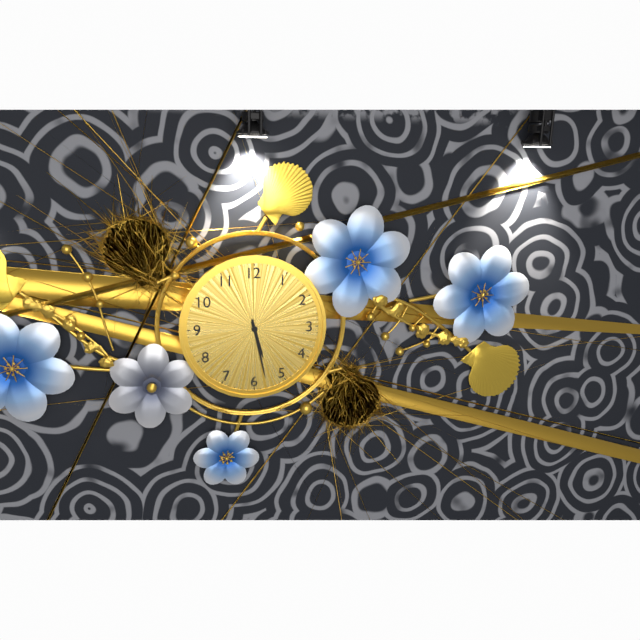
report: 5h28
